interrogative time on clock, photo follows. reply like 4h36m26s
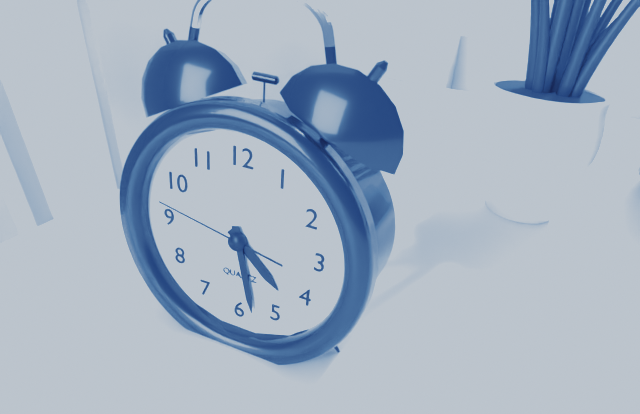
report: 4h28m47s
